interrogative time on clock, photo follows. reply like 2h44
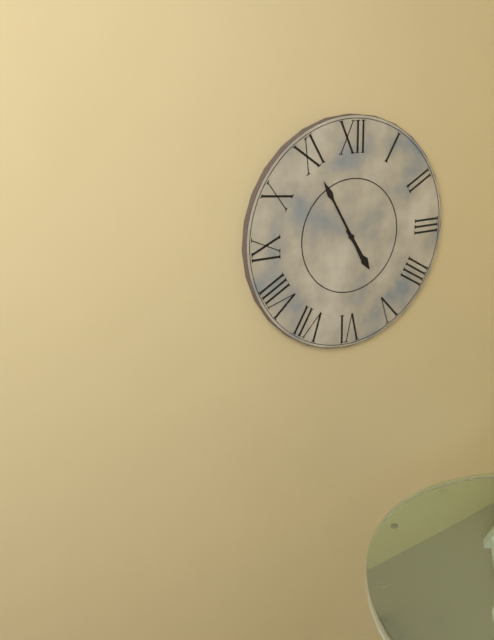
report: 4h55
